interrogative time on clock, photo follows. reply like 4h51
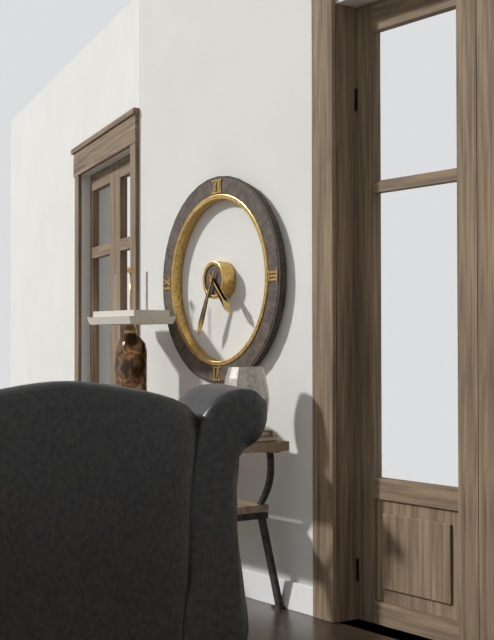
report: 4h34
